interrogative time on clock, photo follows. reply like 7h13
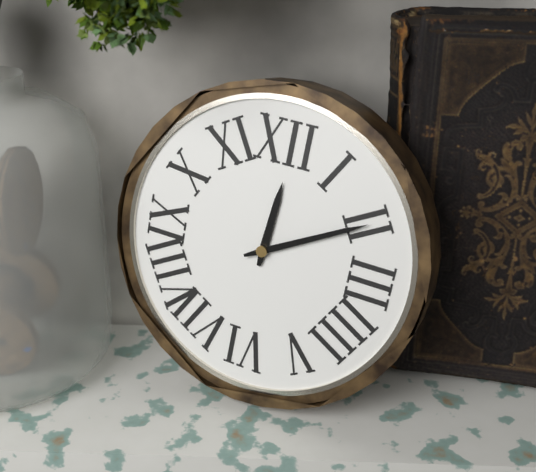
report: 12h10
